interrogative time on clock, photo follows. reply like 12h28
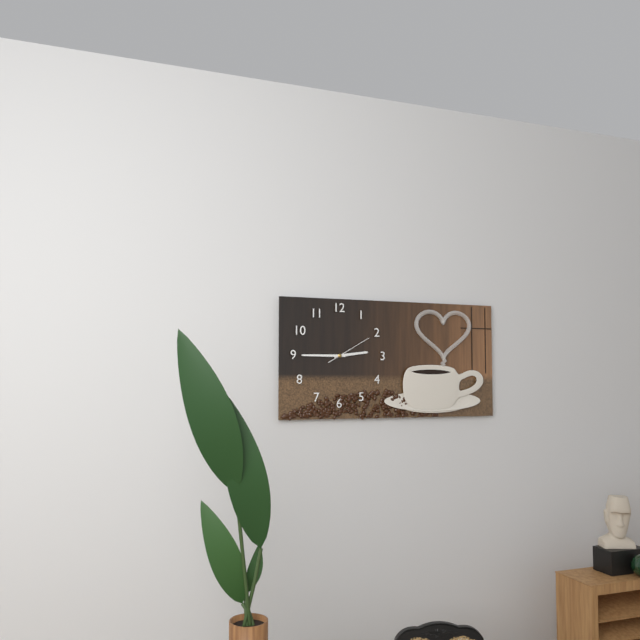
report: 2h45
